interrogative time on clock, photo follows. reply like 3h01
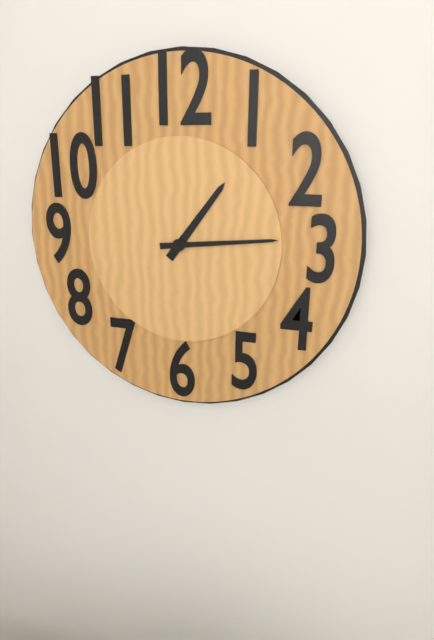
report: 1h14
